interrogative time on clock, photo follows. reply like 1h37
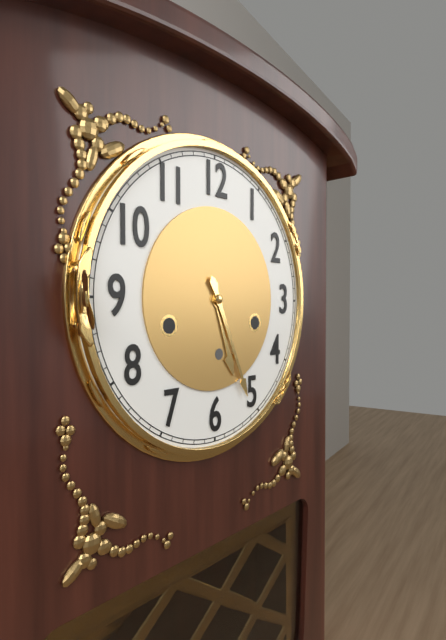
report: 5h26
